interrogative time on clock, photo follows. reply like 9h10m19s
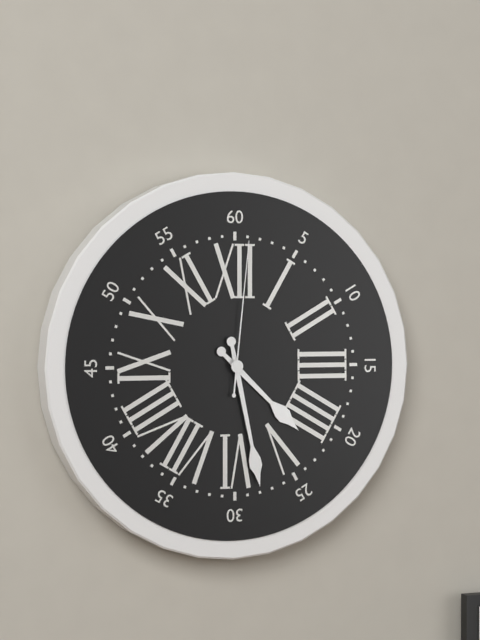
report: 4h28m01s
